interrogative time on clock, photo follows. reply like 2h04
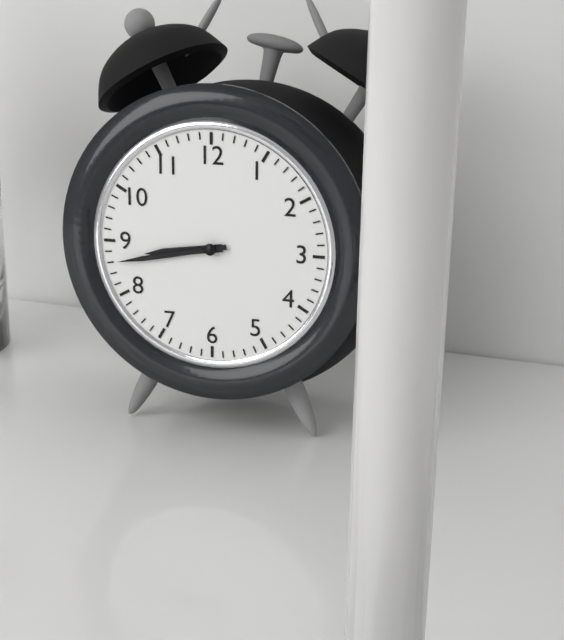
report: 8h43
